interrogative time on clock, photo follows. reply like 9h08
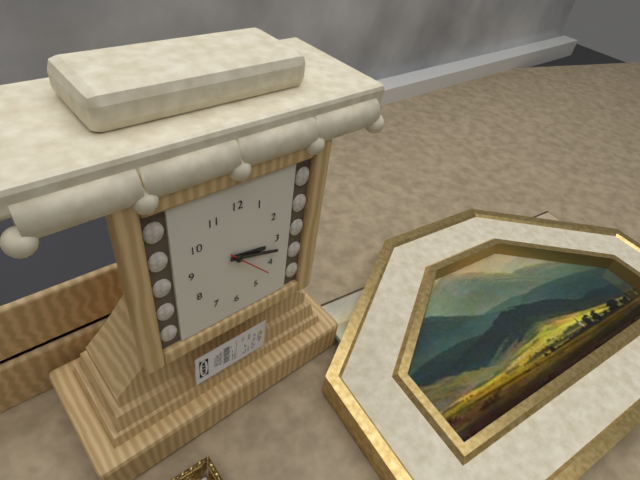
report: 3h18
